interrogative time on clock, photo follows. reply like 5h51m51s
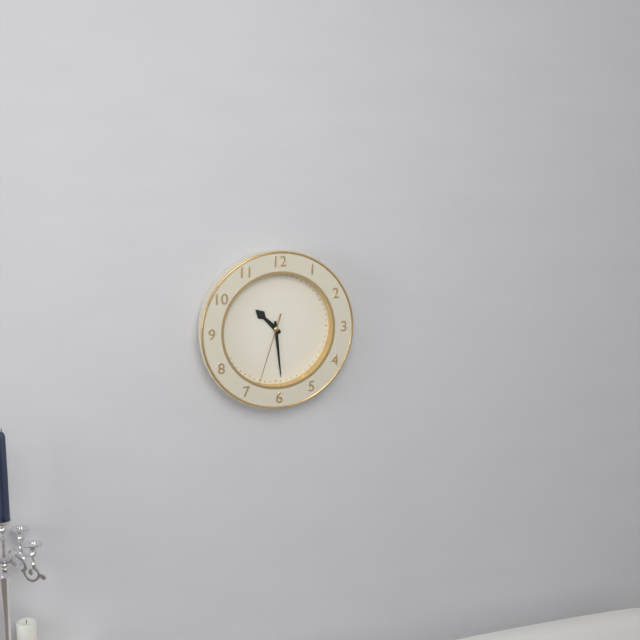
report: 10h29m33s
